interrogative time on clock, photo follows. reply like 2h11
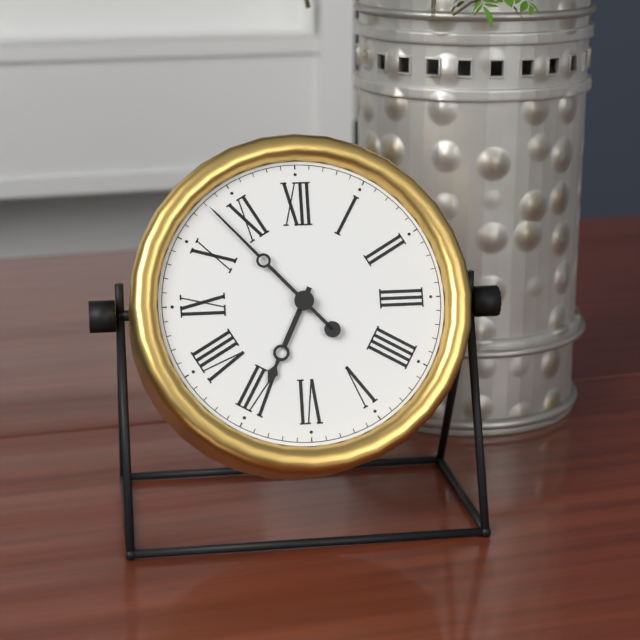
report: 6h53
